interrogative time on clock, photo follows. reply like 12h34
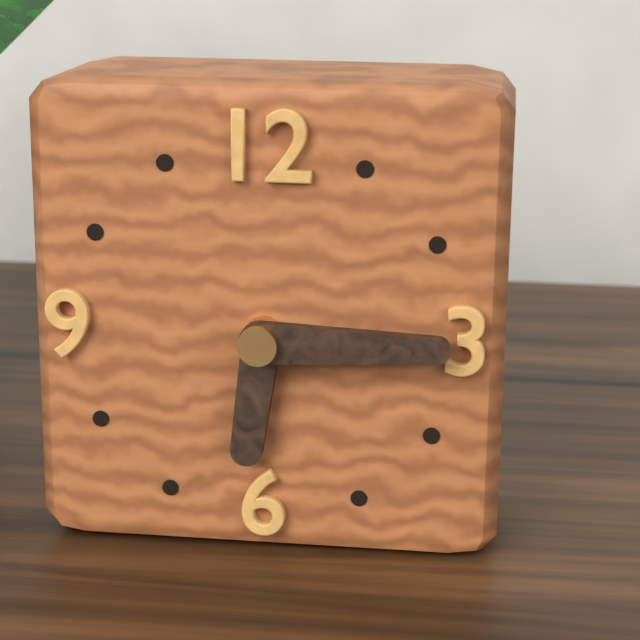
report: 6h15
